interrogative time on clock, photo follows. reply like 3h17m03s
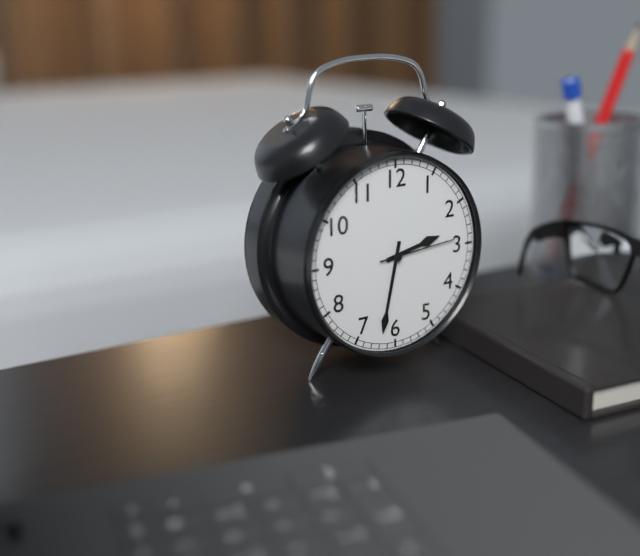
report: 2h32m14s
